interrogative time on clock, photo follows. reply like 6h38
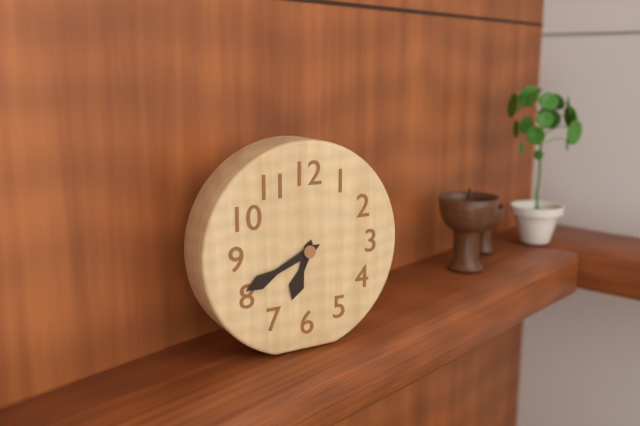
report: 6h41
